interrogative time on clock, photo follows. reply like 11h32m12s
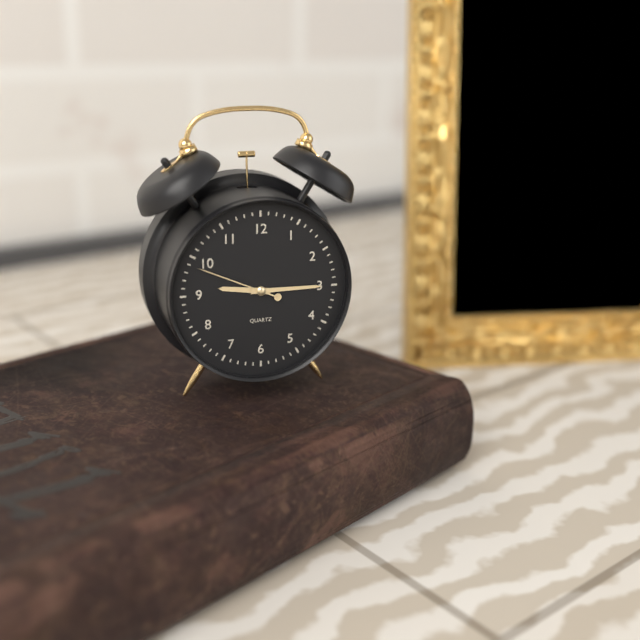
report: 9h15m49s
